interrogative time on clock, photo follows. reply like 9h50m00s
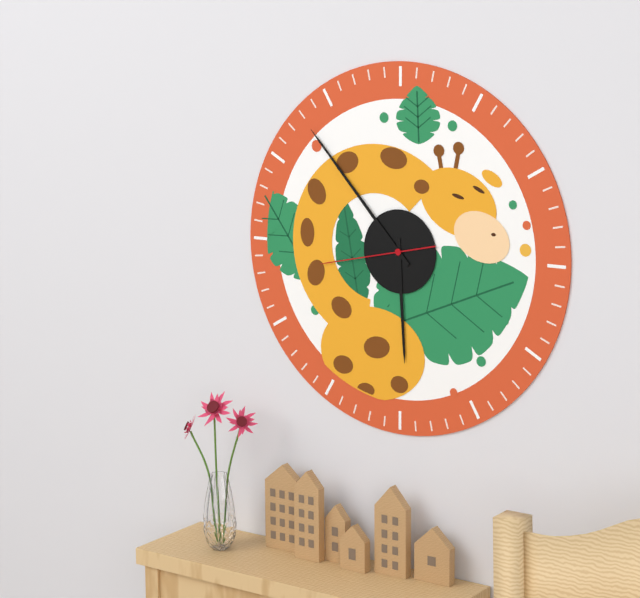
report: 5h53m43s
